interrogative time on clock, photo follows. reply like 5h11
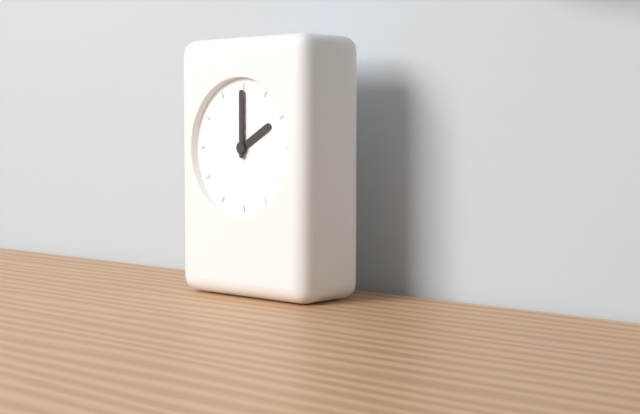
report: 2h00
